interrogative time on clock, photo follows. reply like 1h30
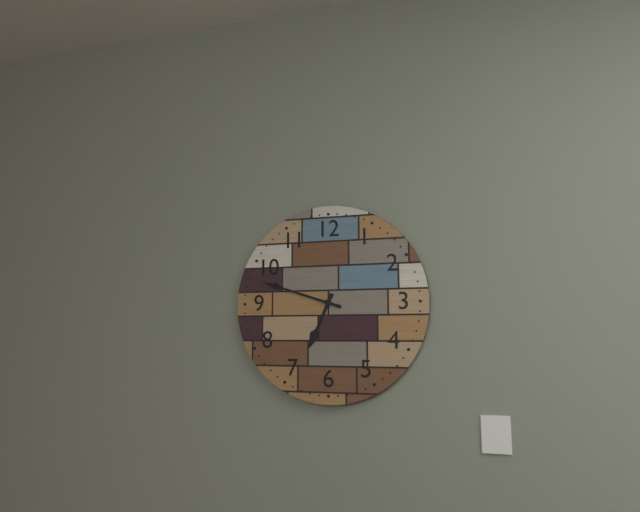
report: 6h48
